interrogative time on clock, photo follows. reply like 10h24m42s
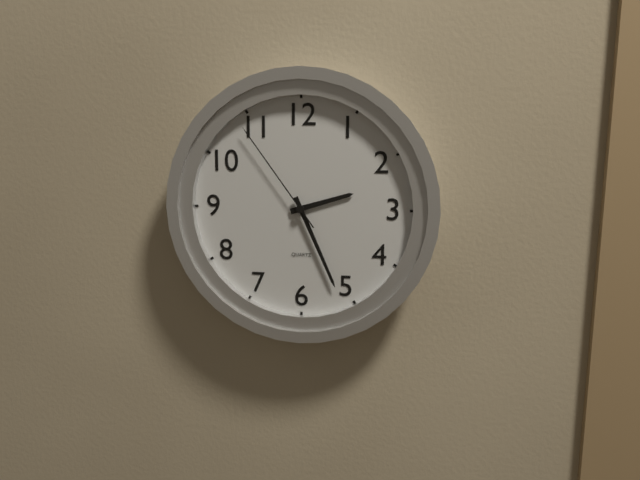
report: 2h26m54s
